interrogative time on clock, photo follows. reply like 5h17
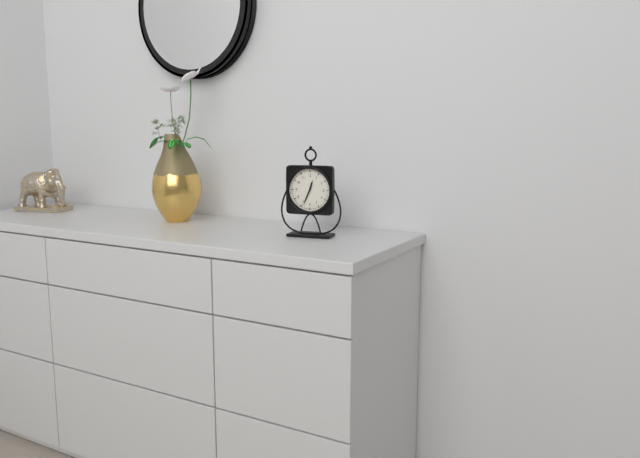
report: 12h34
